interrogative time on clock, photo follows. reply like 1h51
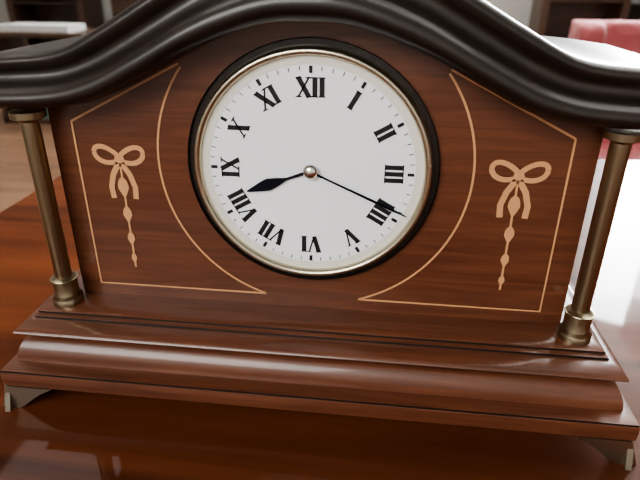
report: 8h19
